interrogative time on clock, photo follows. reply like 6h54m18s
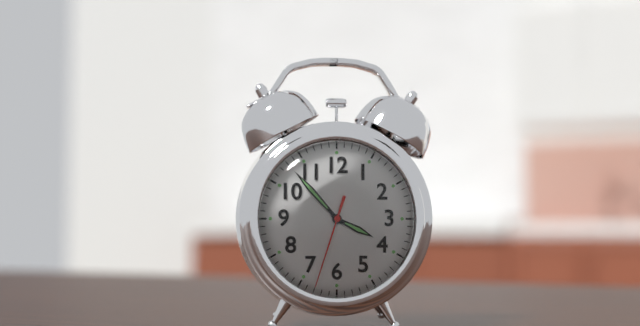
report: 3h53m33s
